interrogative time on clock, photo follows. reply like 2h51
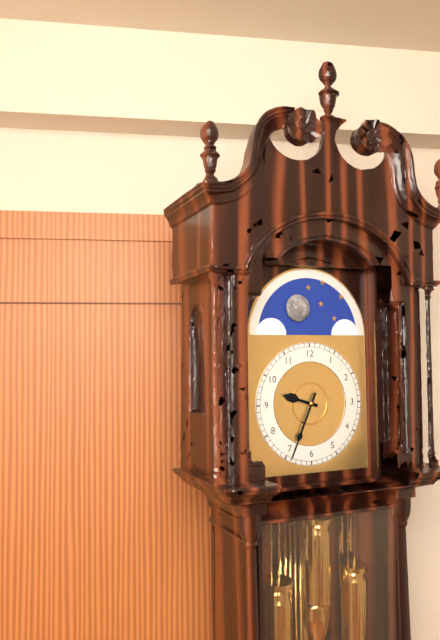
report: 9h34
